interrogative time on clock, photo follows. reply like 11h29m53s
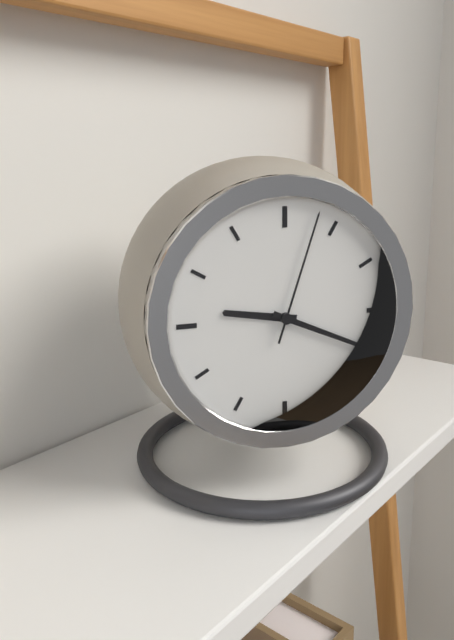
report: 9h19m03s
